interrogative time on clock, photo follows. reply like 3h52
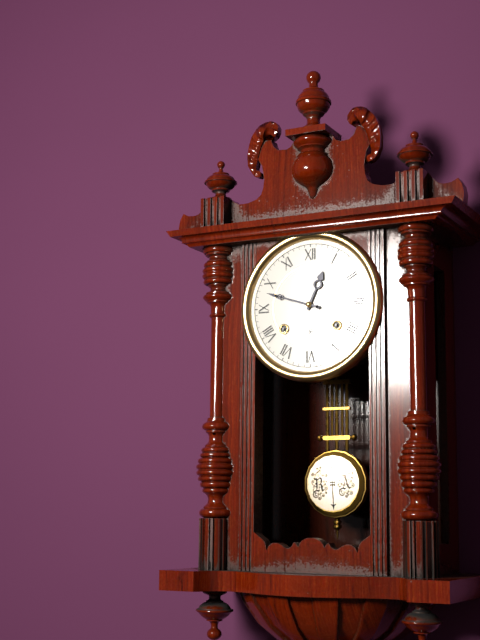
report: 12h48
